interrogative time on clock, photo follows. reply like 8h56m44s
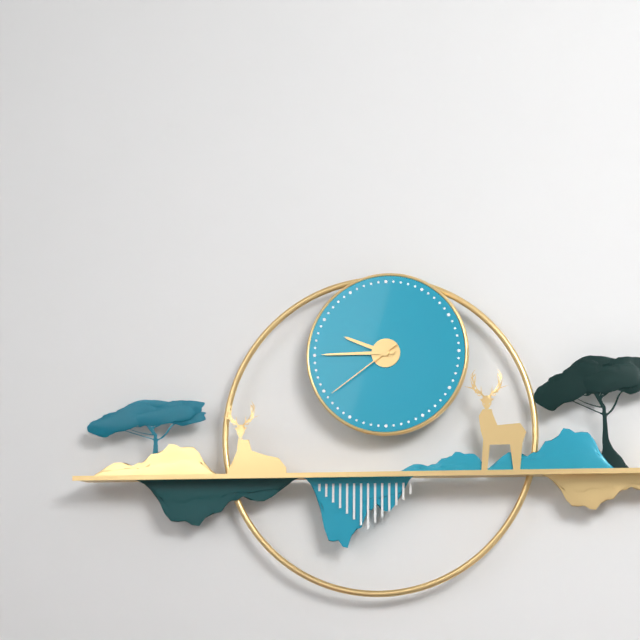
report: 9h45m39s
